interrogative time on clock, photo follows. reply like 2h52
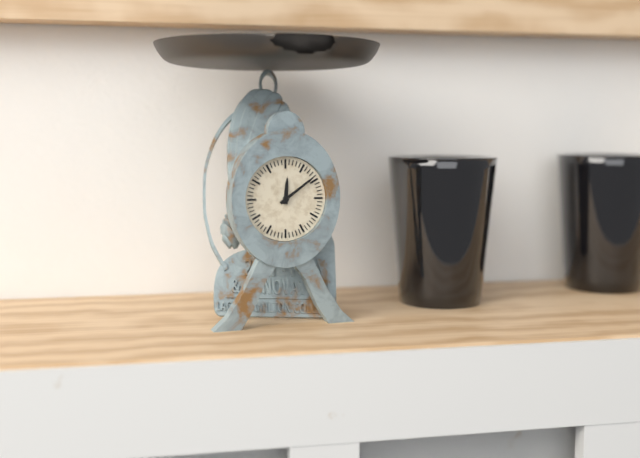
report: 12h09
